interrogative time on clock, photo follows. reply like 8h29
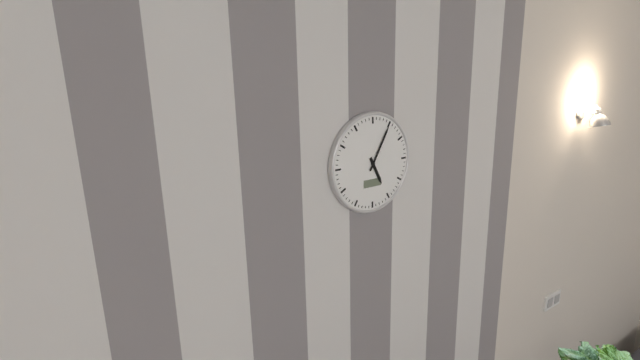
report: 5h05
